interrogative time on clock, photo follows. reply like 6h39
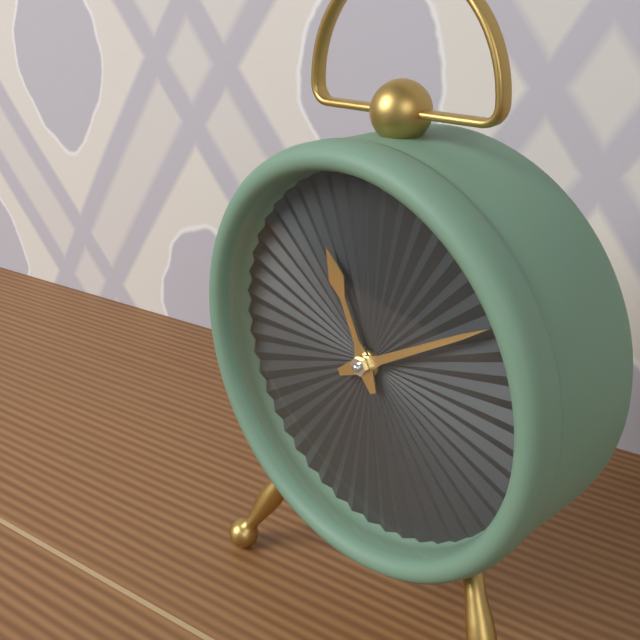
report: 11h10
